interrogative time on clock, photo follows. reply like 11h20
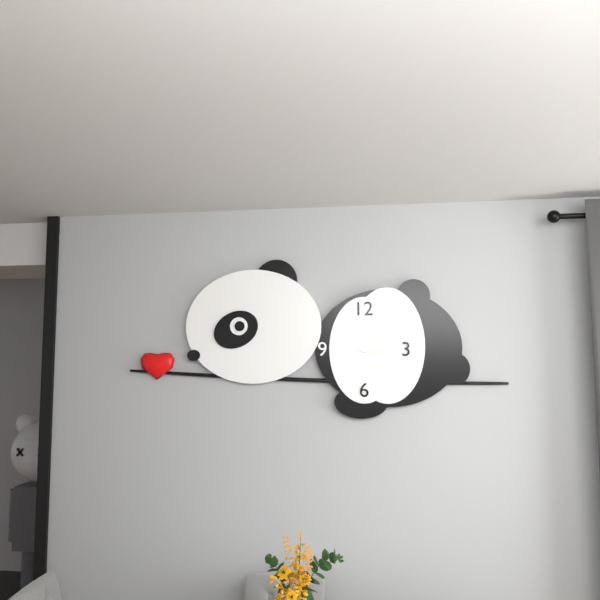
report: 3h15
